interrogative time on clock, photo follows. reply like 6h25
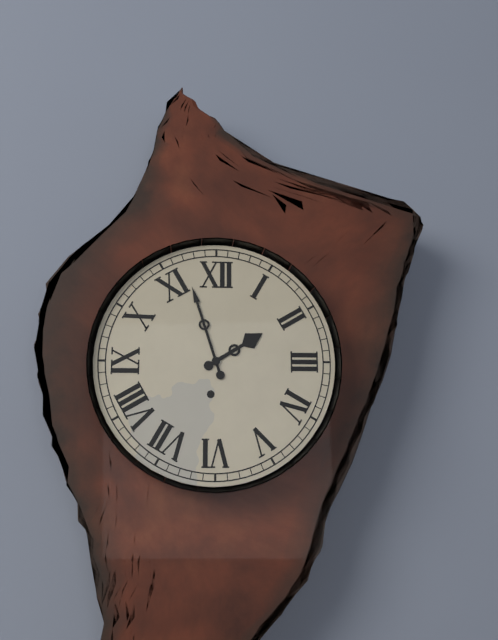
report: 1h57
